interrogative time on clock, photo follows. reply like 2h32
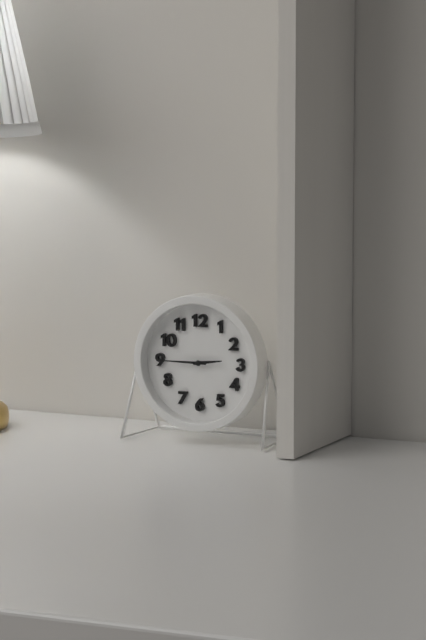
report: 2h45
